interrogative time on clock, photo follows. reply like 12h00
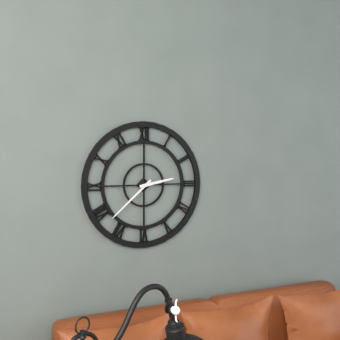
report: 2h38
